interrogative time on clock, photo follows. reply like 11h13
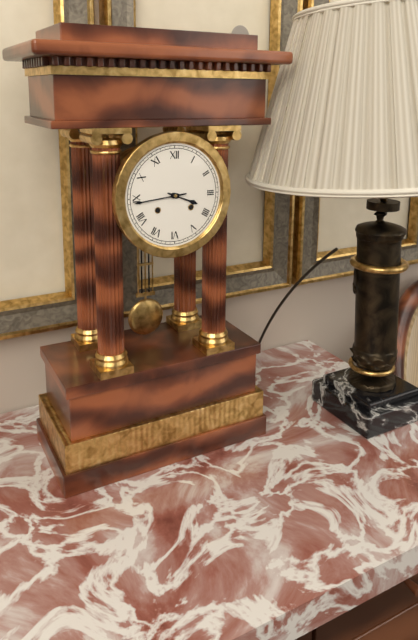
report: 3h44
